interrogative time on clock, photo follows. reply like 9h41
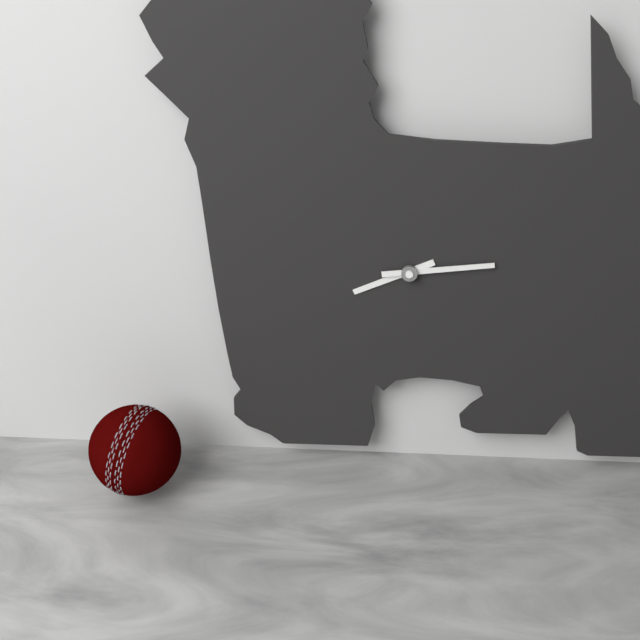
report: 8h14
